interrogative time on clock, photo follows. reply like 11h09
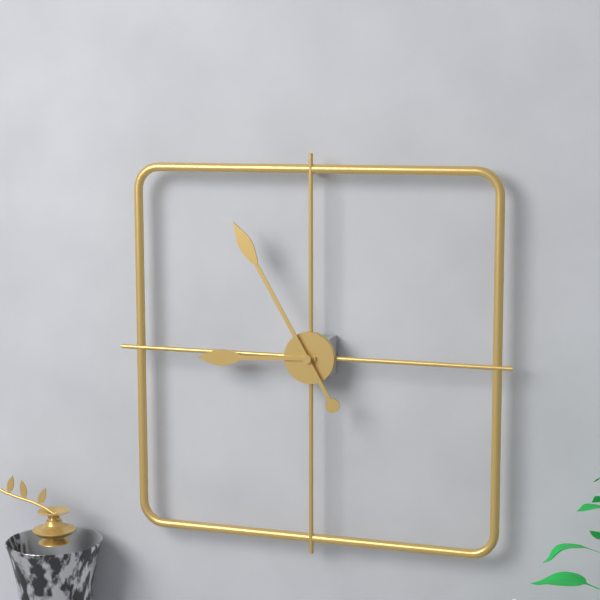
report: 8h55
